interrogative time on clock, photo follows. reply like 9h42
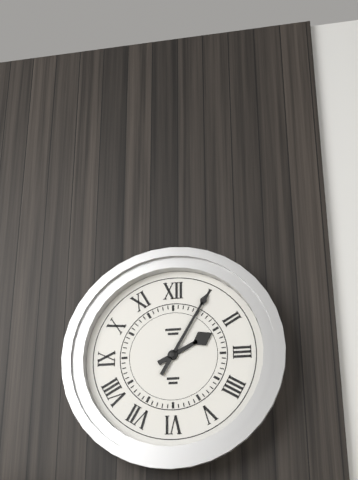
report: 2h05
